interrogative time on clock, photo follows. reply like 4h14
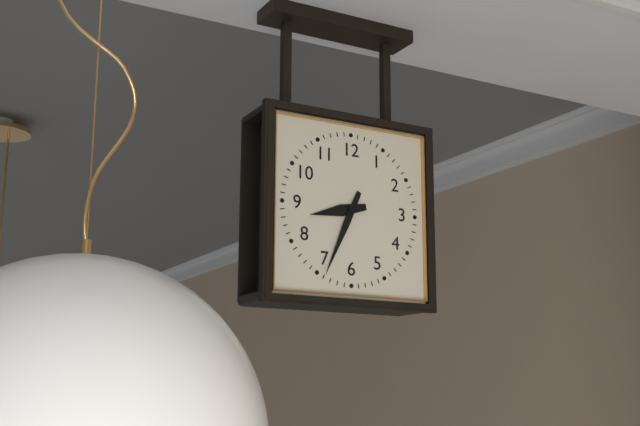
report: 8h34
